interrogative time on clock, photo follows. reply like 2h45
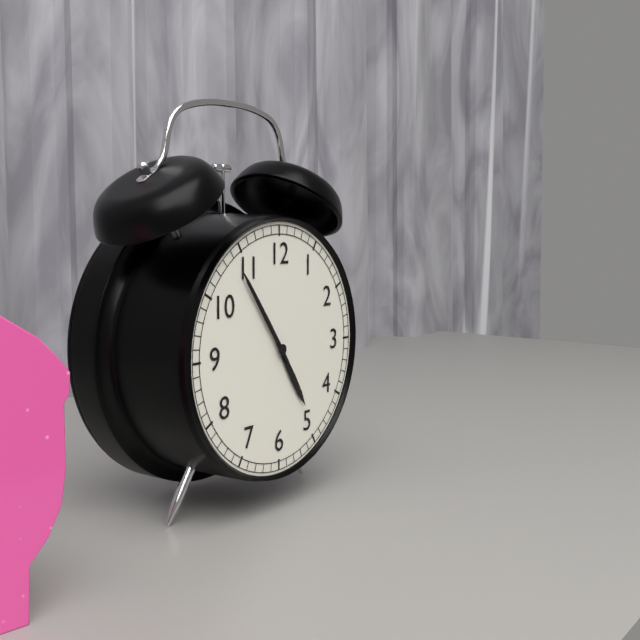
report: 4h54
